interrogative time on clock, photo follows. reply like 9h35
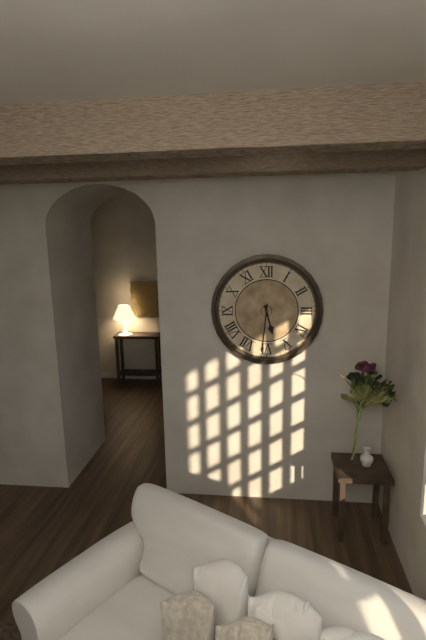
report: 5h31
